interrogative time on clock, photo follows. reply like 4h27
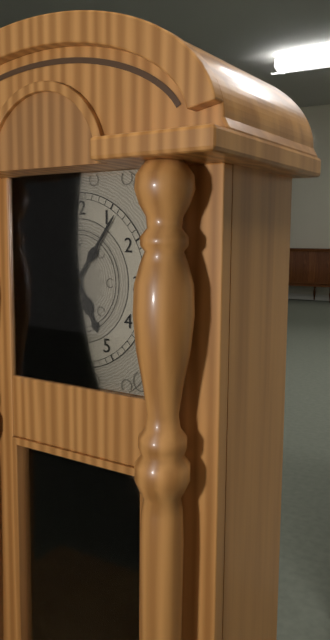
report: 5h06
